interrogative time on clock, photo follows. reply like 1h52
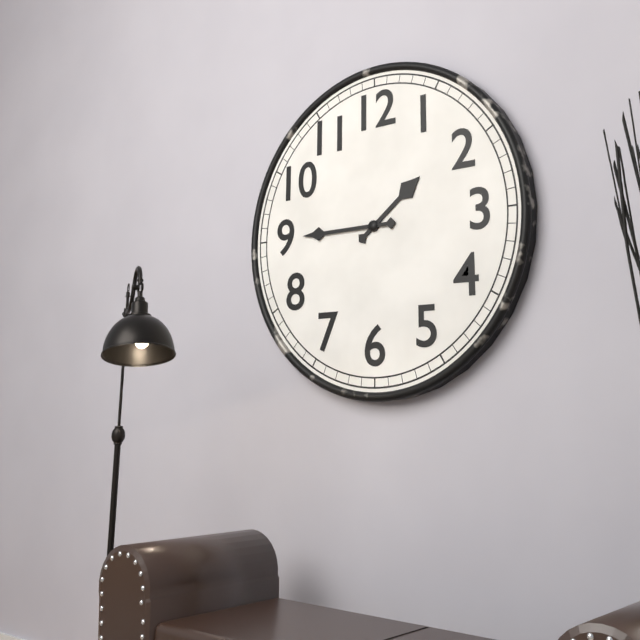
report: 1h45
